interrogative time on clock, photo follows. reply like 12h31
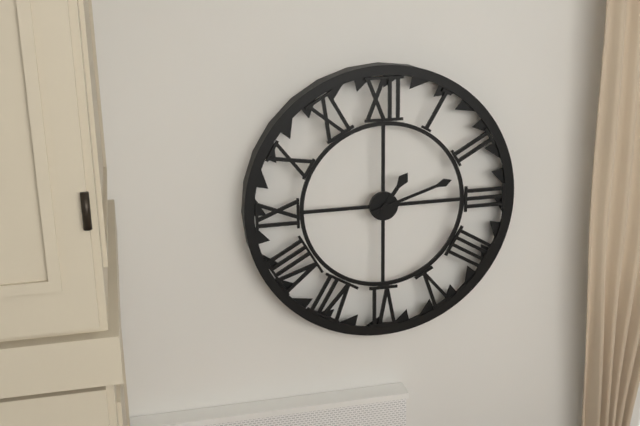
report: 1h12
